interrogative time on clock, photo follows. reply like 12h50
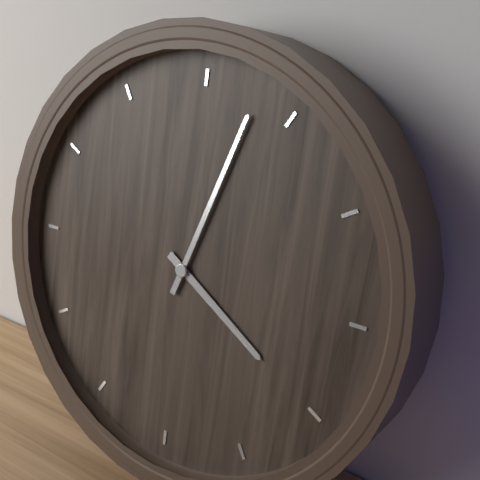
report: 4h03
